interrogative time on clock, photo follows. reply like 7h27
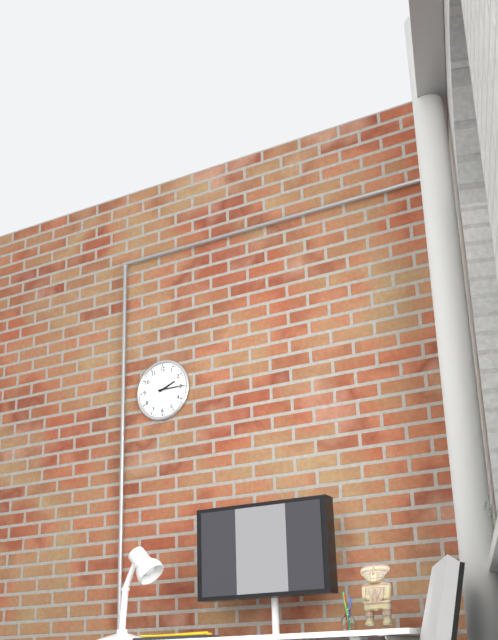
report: 2h15
